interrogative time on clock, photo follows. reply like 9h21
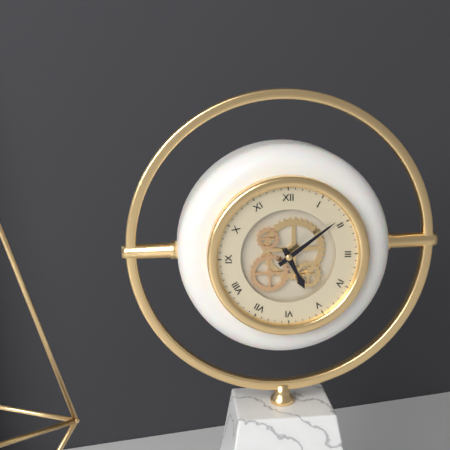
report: 5h09
